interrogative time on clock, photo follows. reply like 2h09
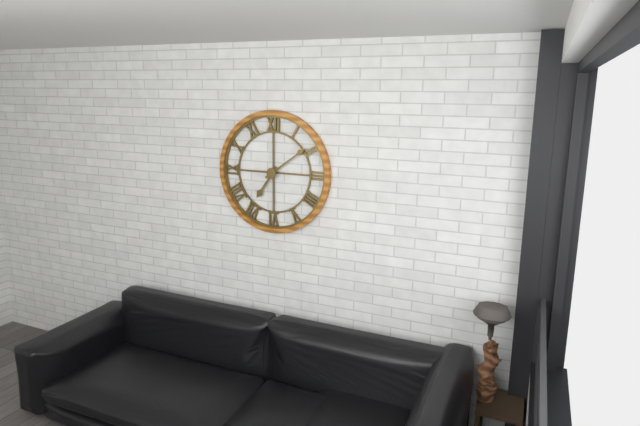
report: 7h09
